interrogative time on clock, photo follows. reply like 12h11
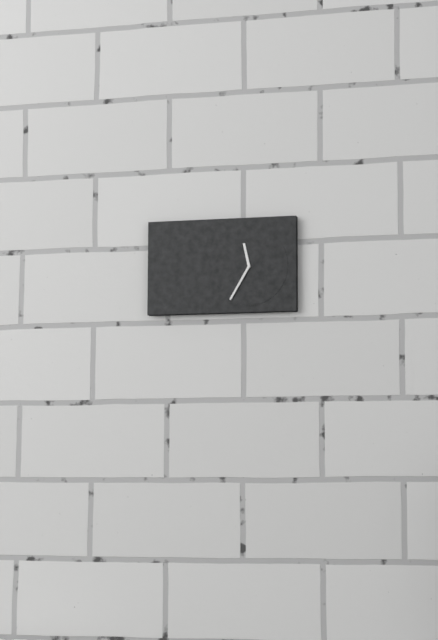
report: 11h35
